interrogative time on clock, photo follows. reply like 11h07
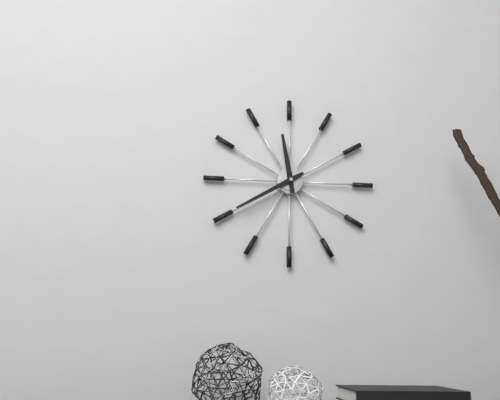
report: 11h40
